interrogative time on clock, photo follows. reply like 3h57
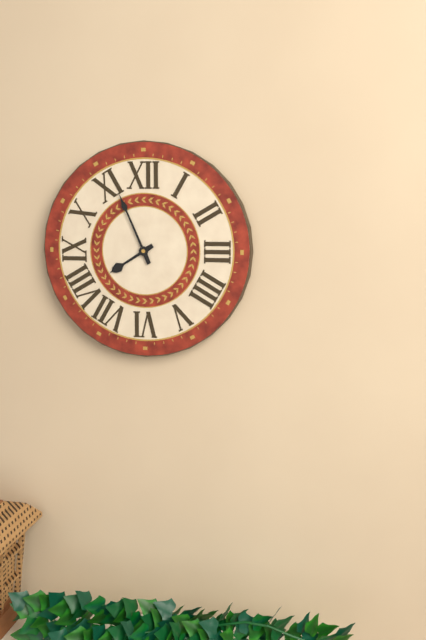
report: 7h56
